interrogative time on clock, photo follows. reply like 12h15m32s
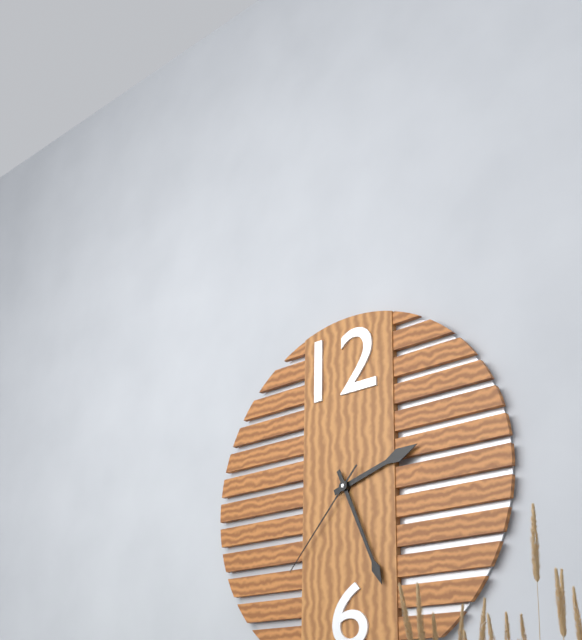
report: 2h26m37s
